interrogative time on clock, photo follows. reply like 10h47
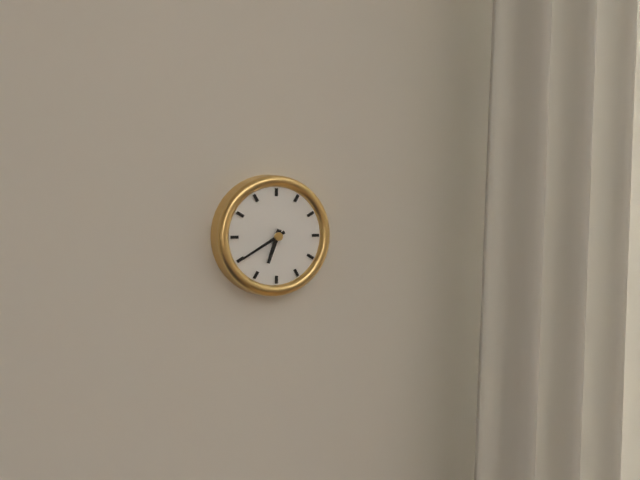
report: 6h40
